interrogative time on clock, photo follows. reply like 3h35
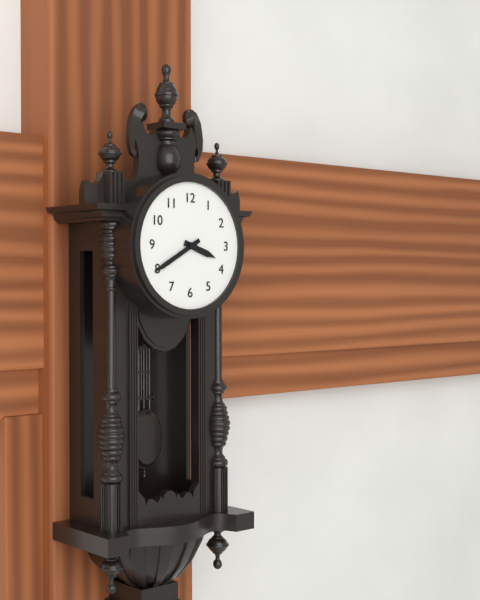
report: 3h40
